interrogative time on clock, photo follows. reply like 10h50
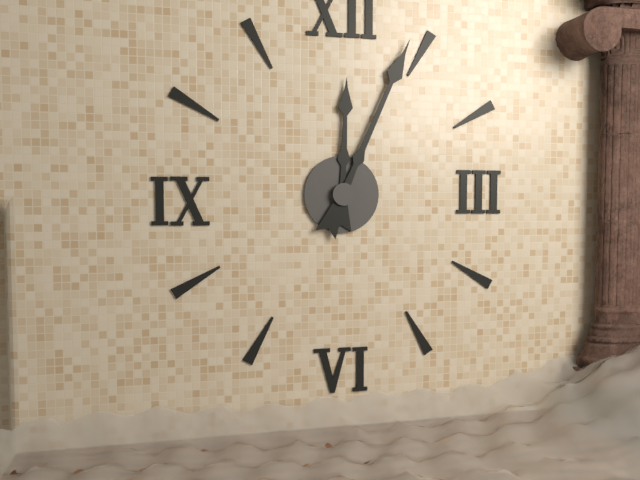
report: 12h04
